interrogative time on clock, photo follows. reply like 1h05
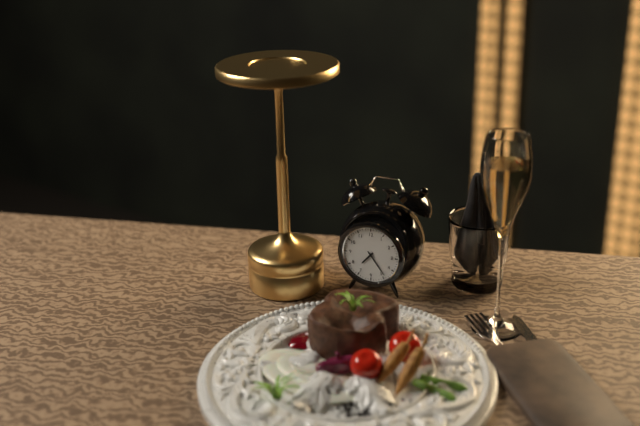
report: 7h24
